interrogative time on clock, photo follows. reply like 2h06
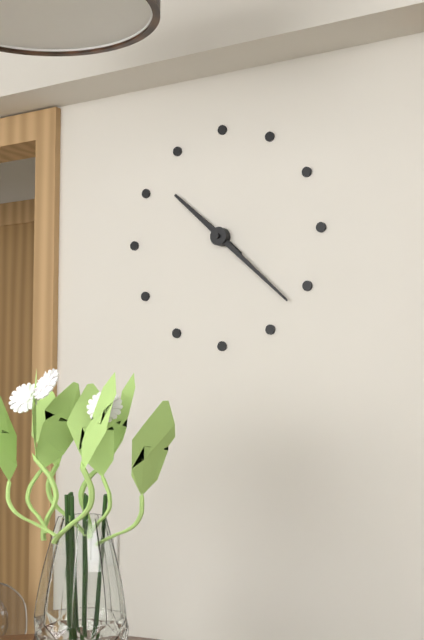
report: 10h22
